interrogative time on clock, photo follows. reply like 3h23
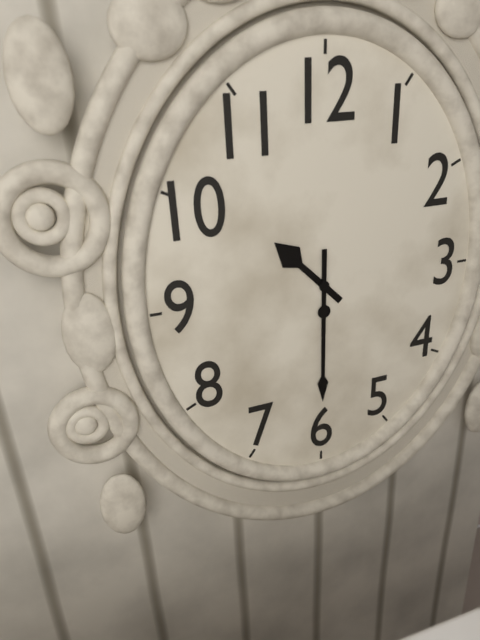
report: 10h30
